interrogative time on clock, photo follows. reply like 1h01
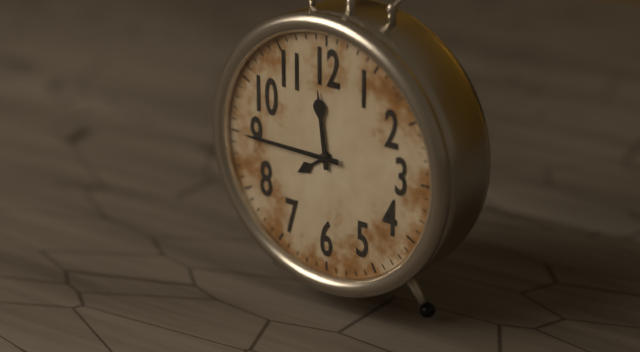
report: 11h45
